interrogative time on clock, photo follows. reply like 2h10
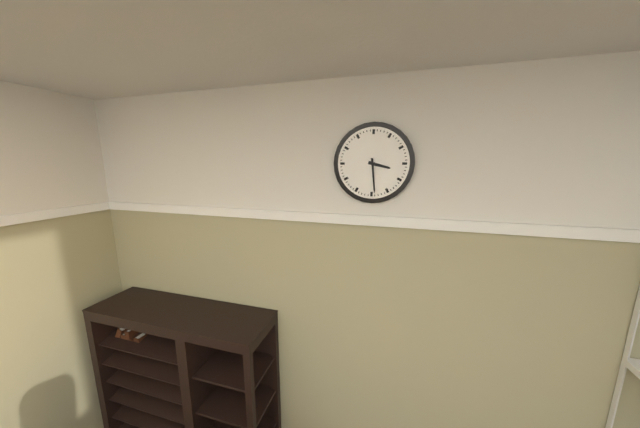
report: 3h29
